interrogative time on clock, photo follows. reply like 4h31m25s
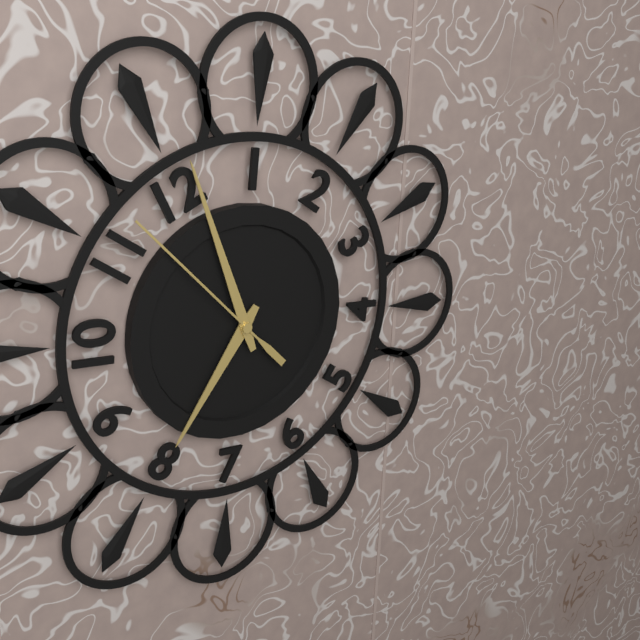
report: 8h01m57s
